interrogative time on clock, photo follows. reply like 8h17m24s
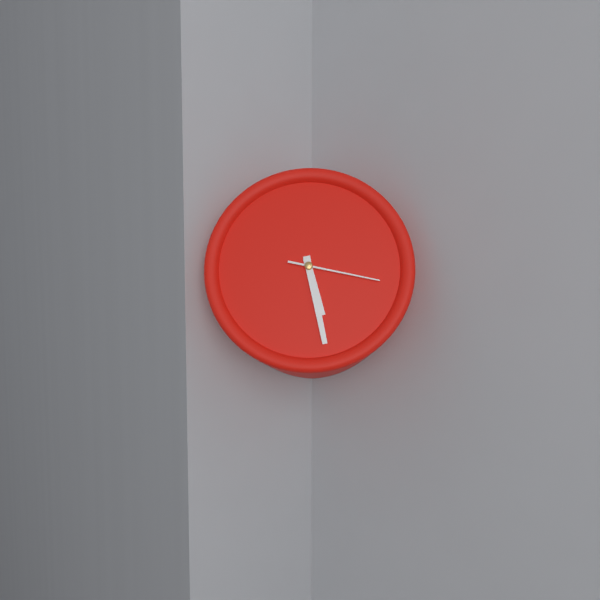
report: 5h28m17s
